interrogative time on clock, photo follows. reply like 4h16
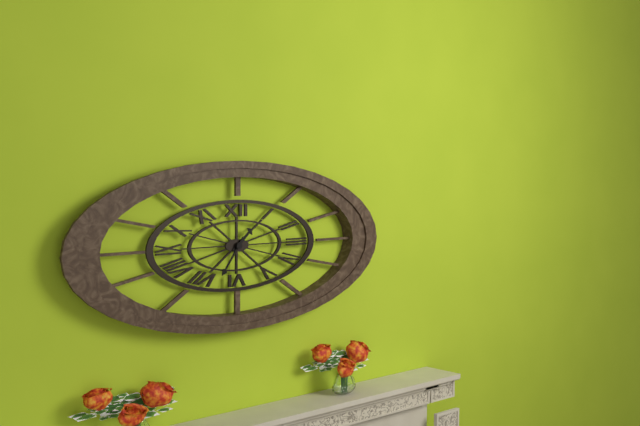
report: 1h36
